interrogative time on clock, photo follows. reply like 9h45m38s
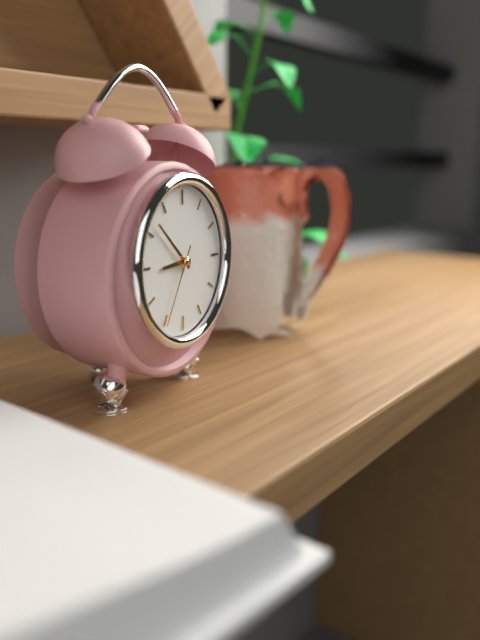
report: 8h52m35s
